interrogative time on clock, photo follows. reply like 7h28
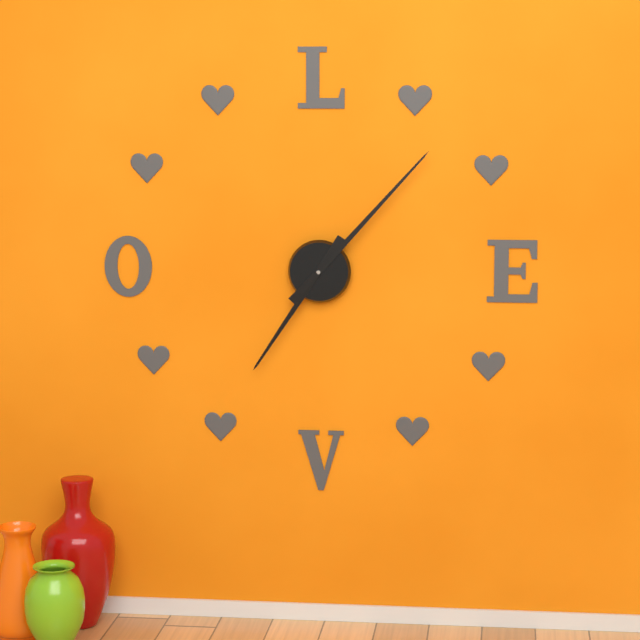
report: 7h07
